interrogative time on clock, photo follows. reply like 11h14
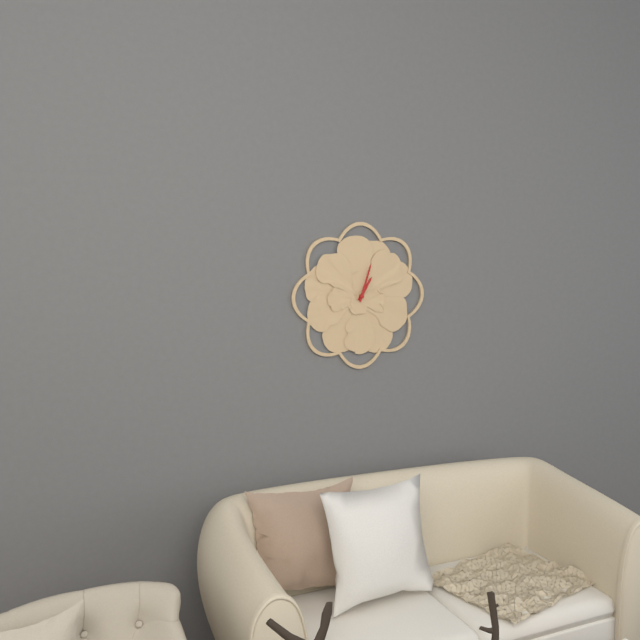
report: 1h03
